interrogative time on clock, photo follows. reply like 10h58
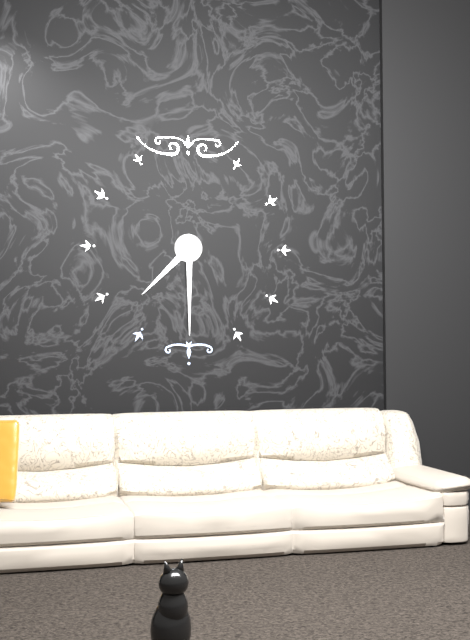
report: 7h30
